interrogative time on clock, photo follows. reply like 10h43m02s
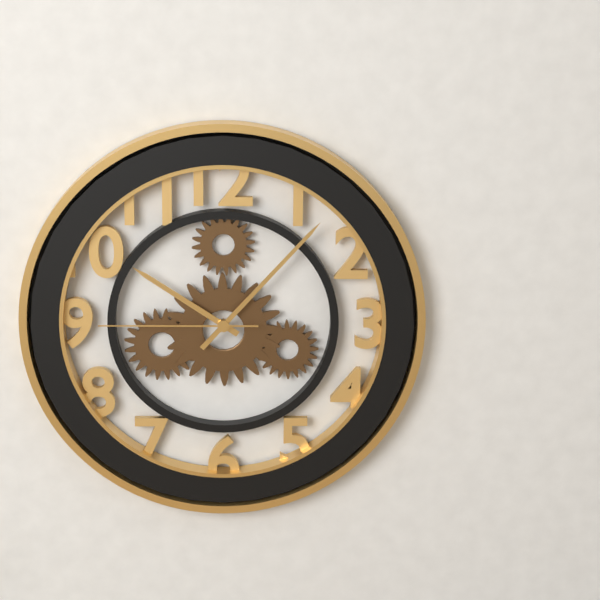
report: 10h07m45s
